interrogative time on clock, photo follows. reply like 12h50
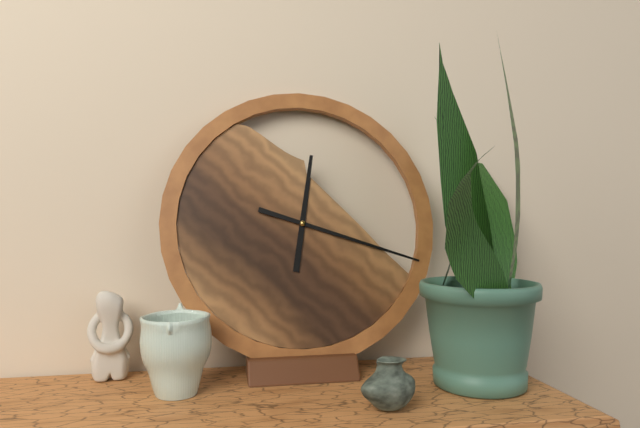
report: 12h18
